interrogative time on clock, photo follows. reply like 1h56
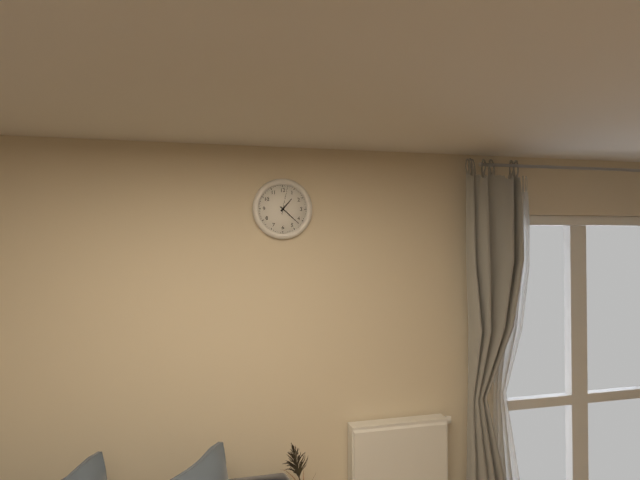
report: 1h22
